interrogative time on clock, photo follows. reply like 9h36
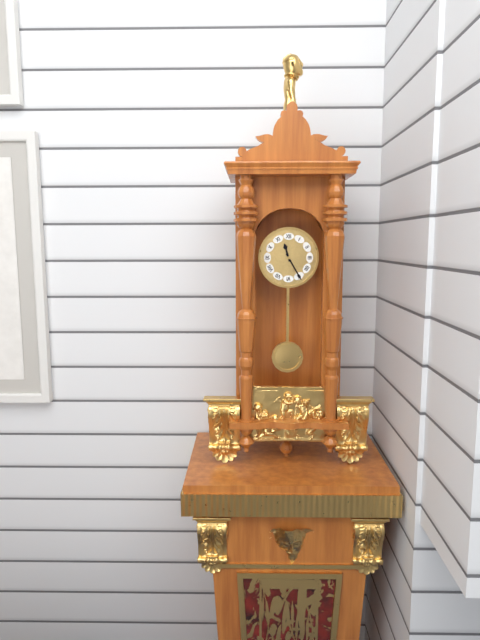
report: 11h25
